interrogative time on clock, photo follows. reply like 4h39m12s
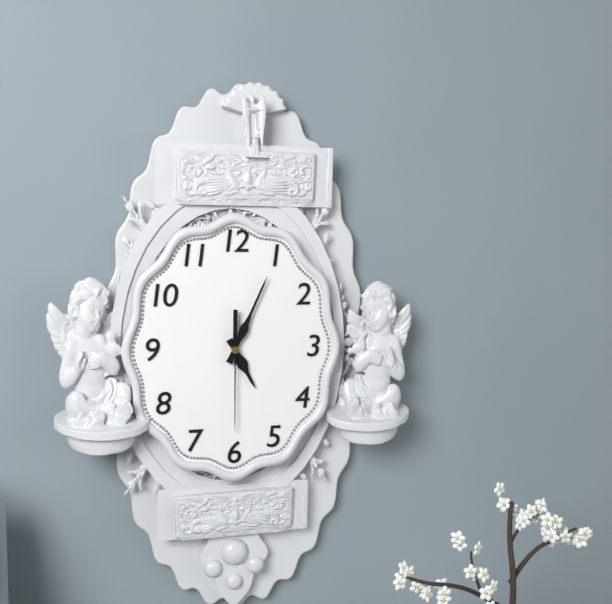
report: 5h04m30s
